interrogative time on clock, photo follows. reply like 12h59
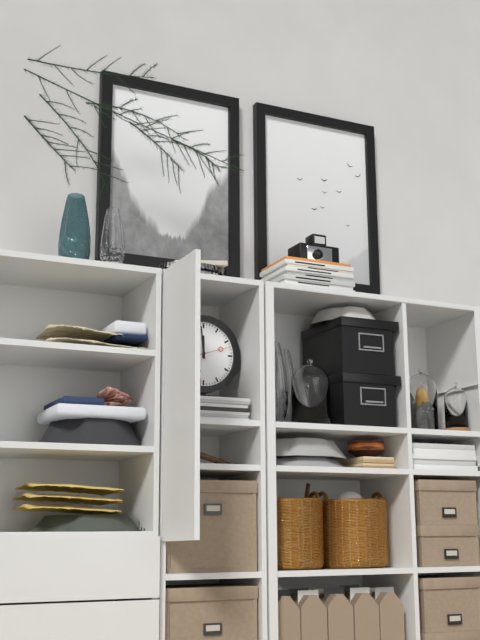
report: 11h59
